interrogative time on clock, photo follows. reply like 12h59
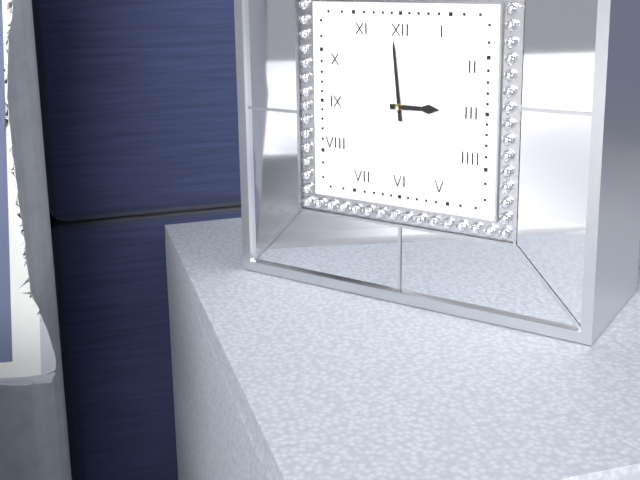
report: 2h59
